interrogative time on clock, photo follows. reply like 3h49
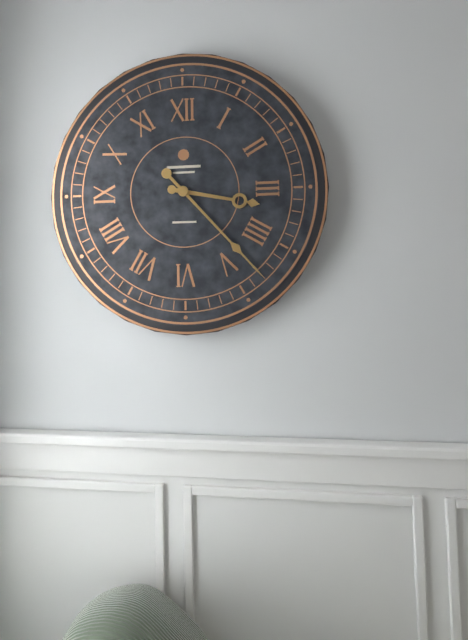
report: 3h23
